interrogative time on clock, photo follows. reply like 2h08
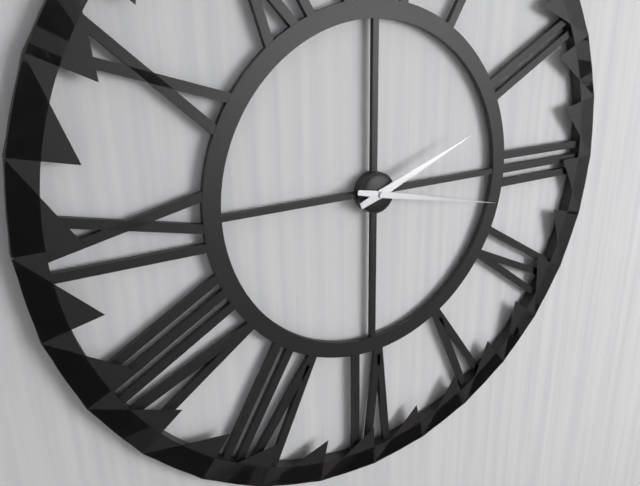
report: 2h17
